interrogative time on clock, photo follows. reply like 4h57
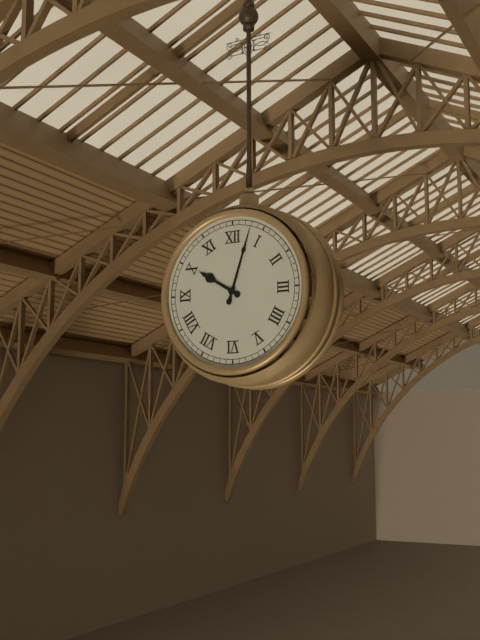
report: 10h03
